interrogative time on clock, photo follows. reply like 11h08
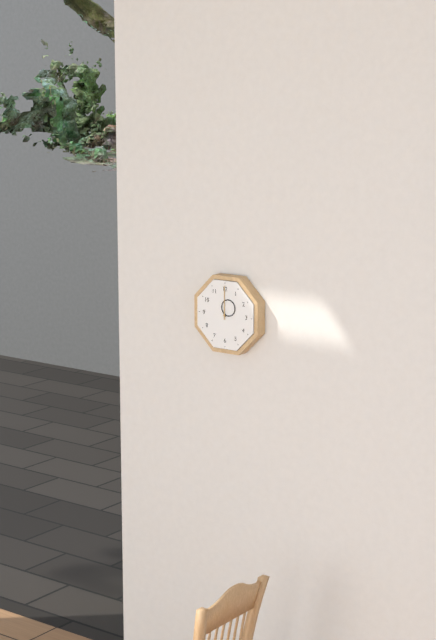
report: 1h00
